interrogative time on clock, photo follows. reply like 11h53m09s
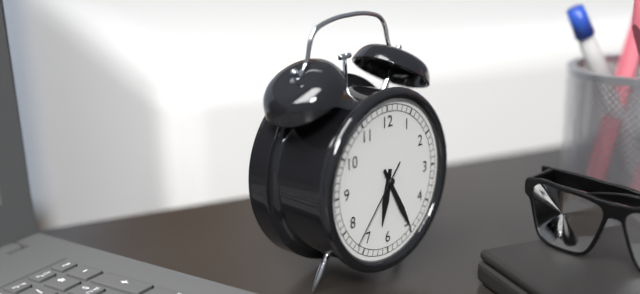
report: 6h25m37s
